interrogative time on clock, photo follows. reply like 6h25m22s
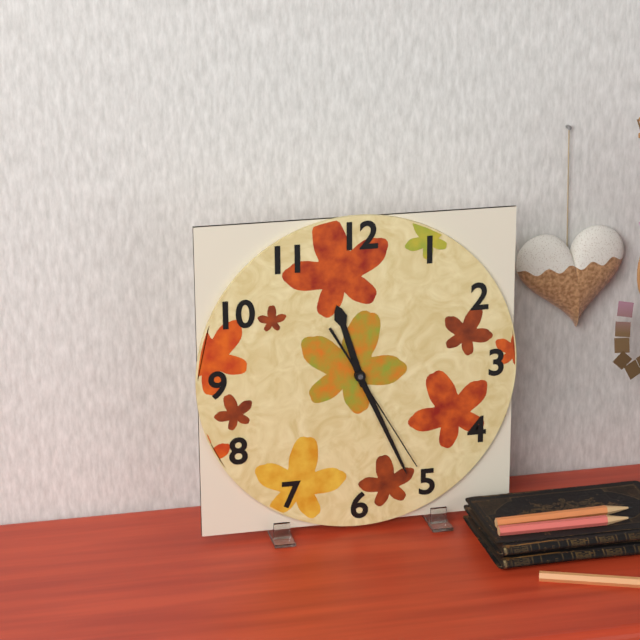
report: 11h26m25s
